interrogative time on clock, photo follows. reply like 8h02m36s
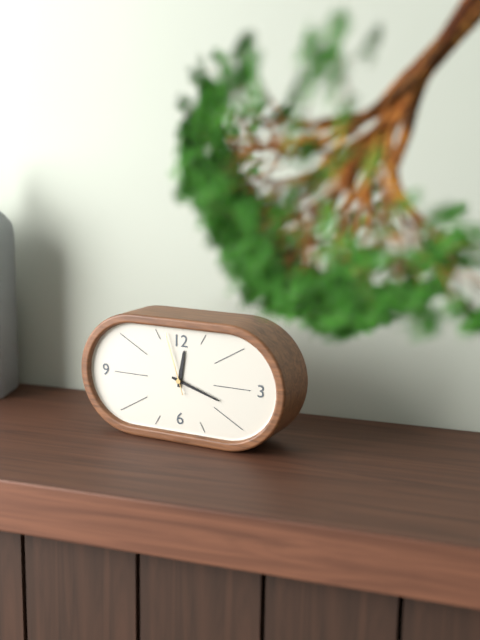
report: 12h18m57s
